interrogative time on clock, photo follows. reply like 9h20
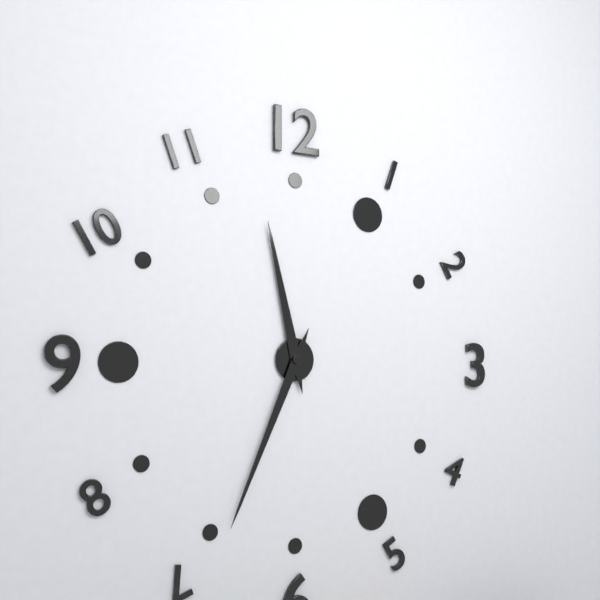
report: 11h34
